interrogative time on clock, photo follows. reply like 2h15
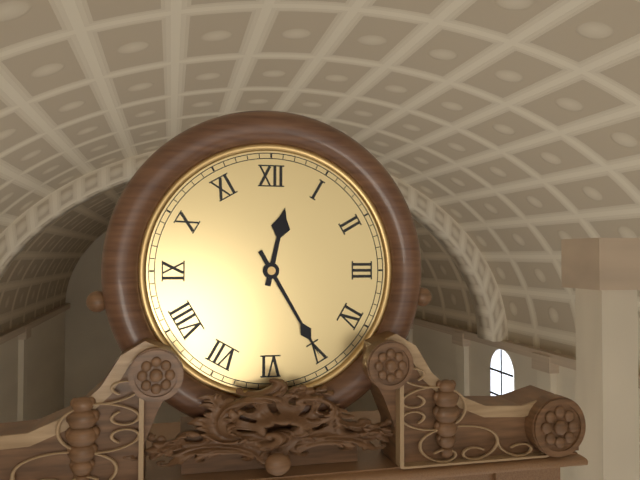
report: 12h25
